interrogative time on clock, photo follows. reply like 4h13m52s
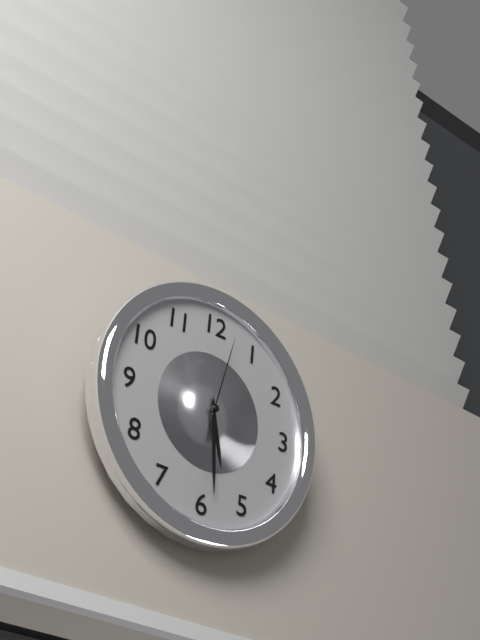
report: 5h29m02s
